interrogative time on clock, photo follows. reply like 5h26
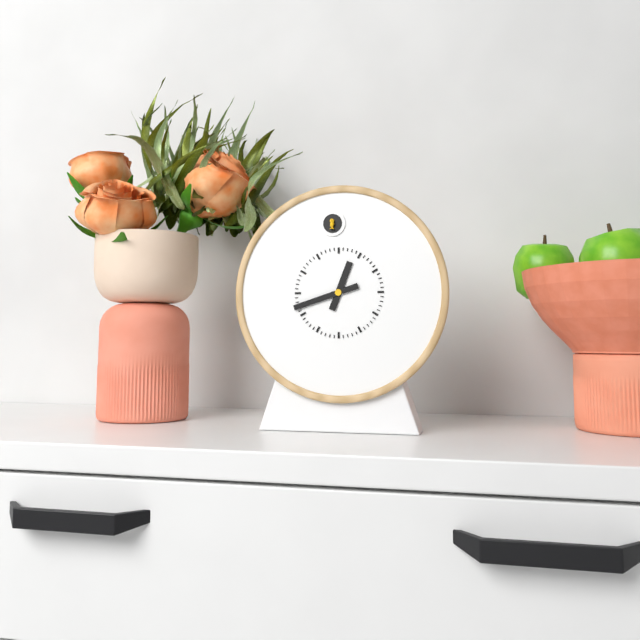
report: 12h42
